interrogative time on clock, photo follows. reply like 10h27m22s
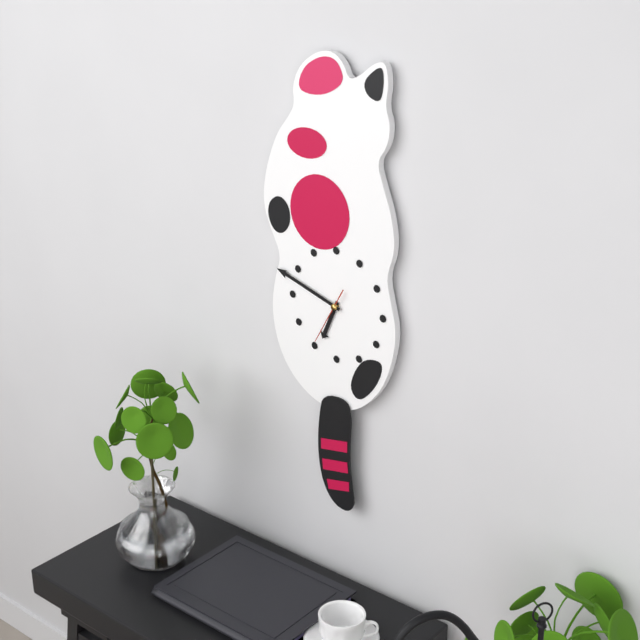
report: 6h48m35s
